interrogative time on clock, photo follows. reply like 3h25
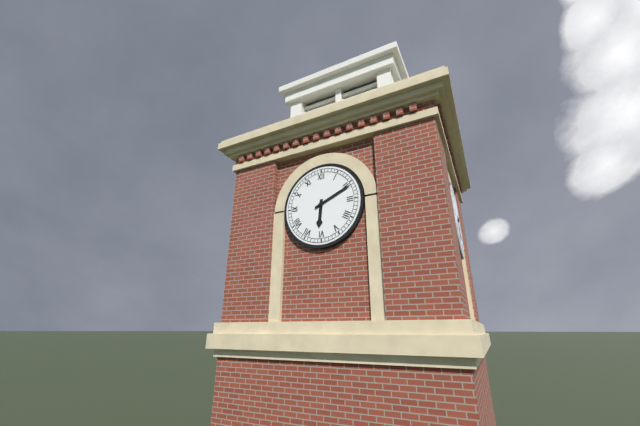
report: 6h11
